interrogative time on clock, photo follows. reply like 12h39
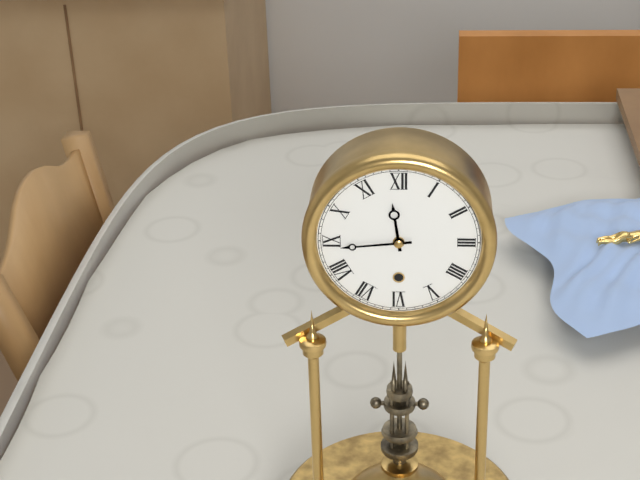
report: 11h44
